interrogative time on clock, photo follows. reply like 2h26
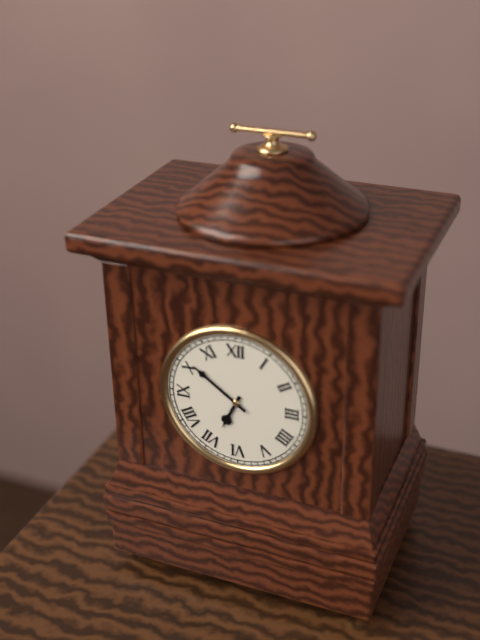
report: 6h51
